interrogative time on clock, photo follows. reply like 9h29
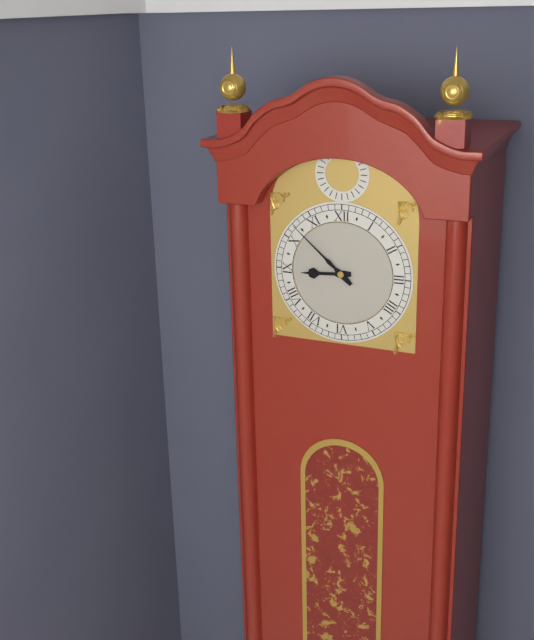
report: 8h52
